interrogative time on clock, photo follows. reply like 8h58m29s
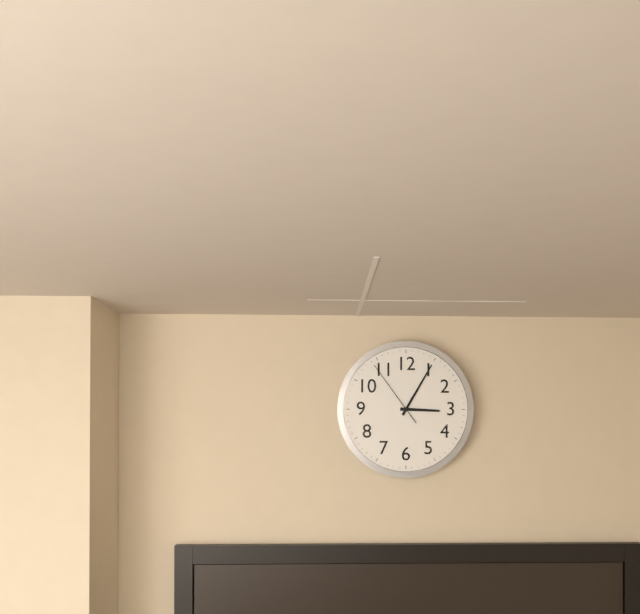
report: 3h05m54s
